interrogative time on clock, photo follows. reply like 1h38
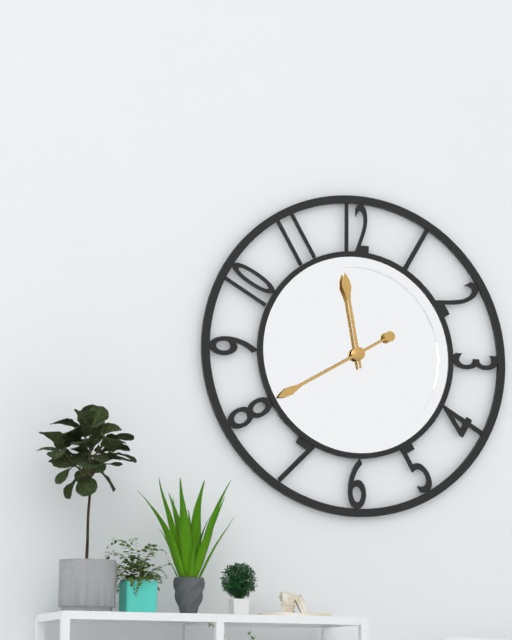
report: 11h40
